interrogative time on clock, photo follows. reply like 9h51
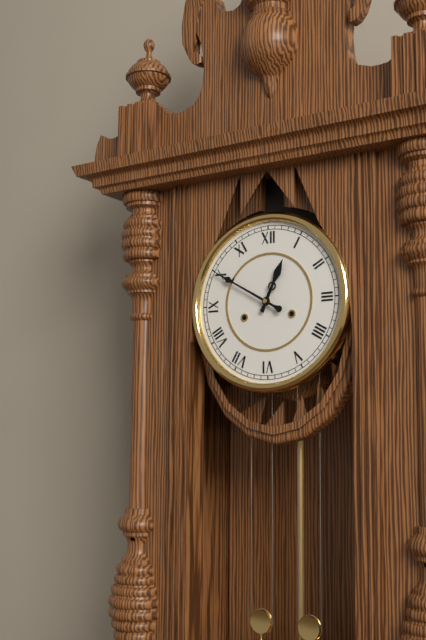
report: 12h50
